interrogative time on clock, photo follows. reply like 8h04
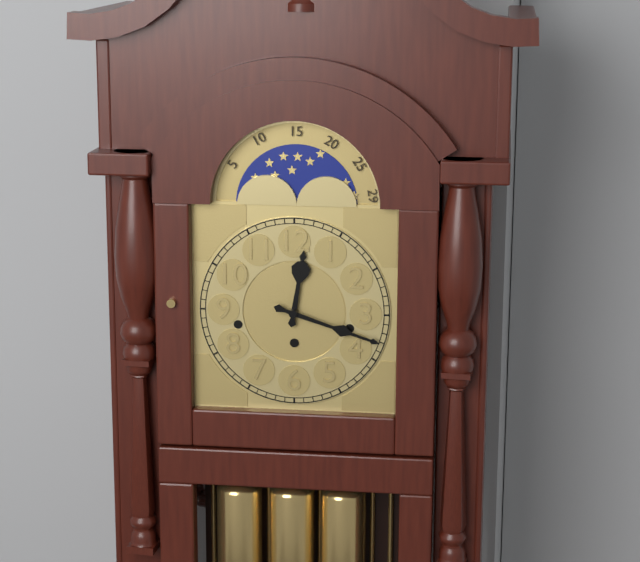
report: 12h18
